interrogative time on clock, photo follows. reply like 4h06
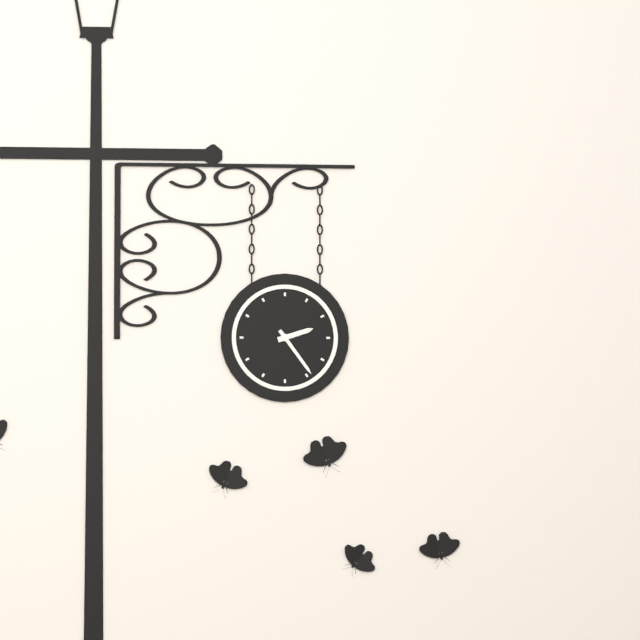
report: 2h24
